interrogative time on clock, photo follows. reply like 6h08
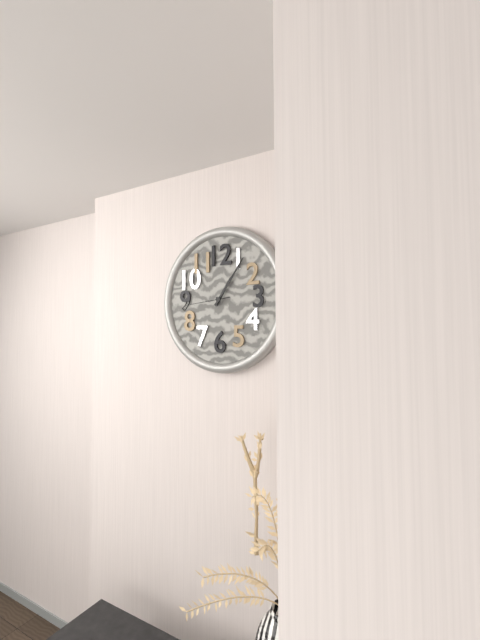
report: 1h06
